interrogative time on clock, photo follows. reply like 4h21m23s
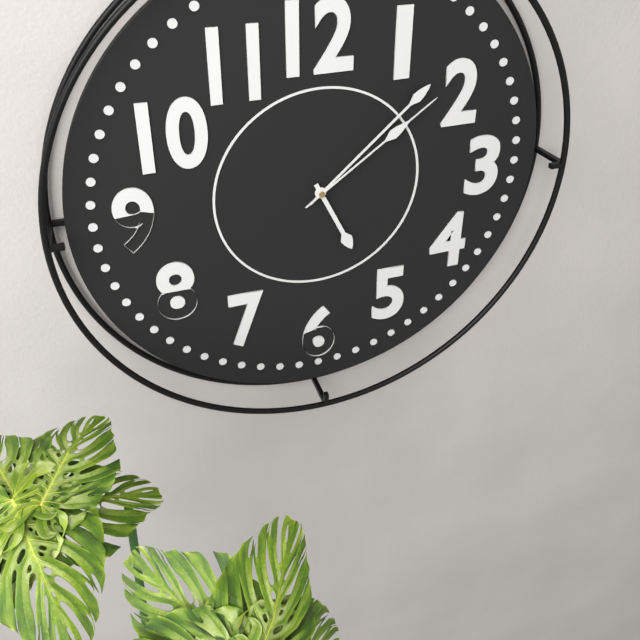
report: 5h08m09s
